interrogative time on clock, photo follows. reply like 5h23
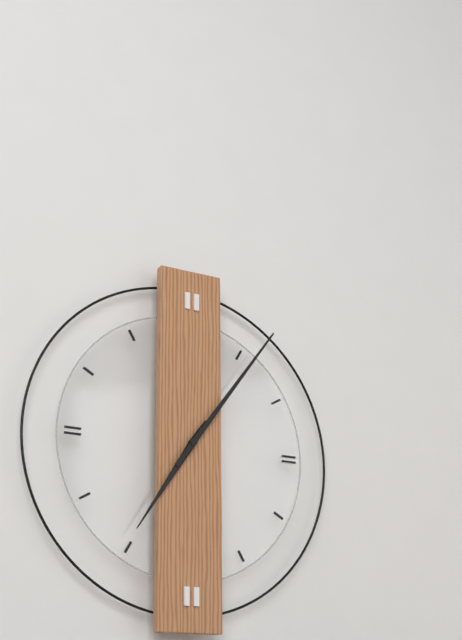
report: 7h06
